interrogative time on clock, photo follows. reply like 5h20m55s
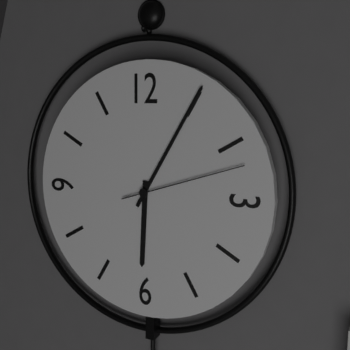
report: 6h05m12s
